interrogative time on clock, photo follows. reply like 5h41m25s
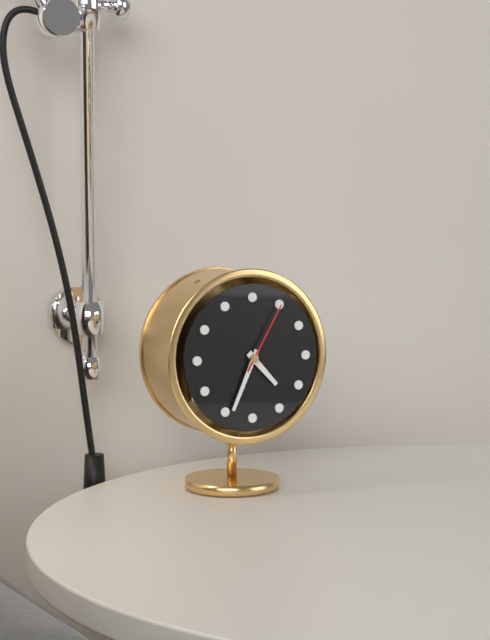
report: 4h34m05s
